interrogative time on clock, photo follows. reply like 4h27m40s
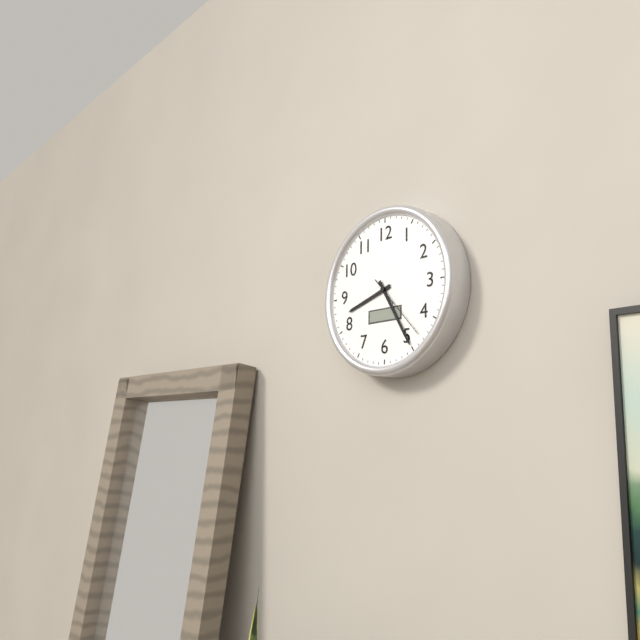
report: 8h25m23s
